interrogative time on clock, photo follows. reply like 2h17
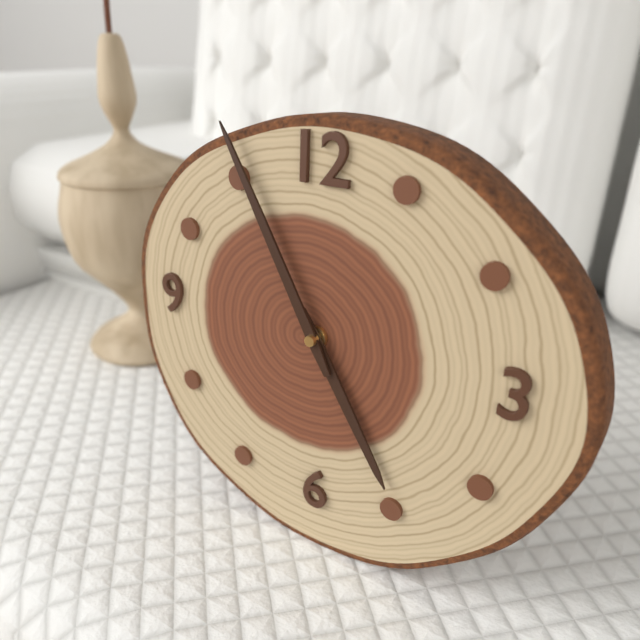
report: 4h55
